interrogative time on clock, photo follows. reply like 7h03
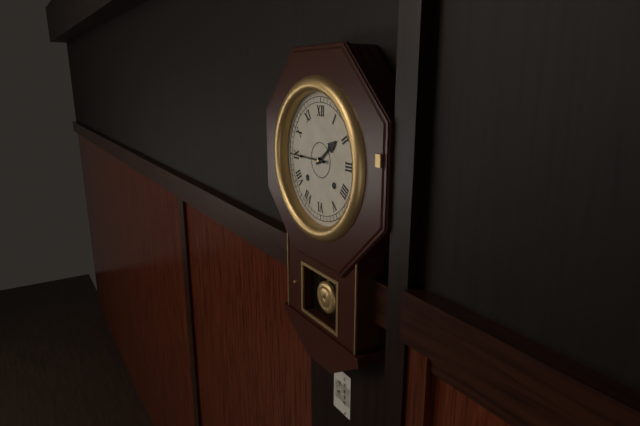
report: 1h45
